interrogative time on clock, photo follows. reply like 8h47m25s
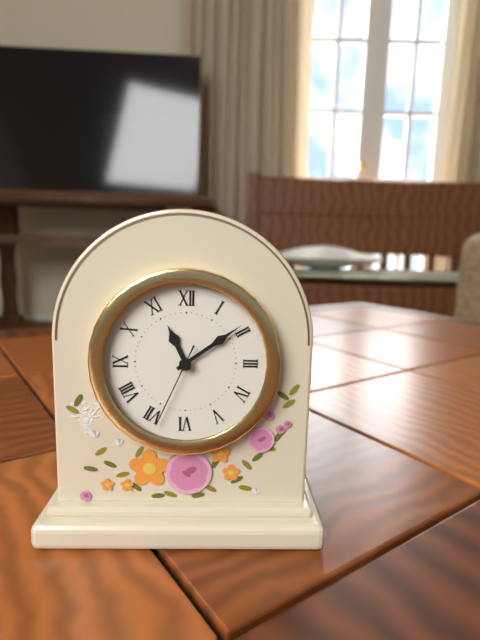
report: 11h09m34s
